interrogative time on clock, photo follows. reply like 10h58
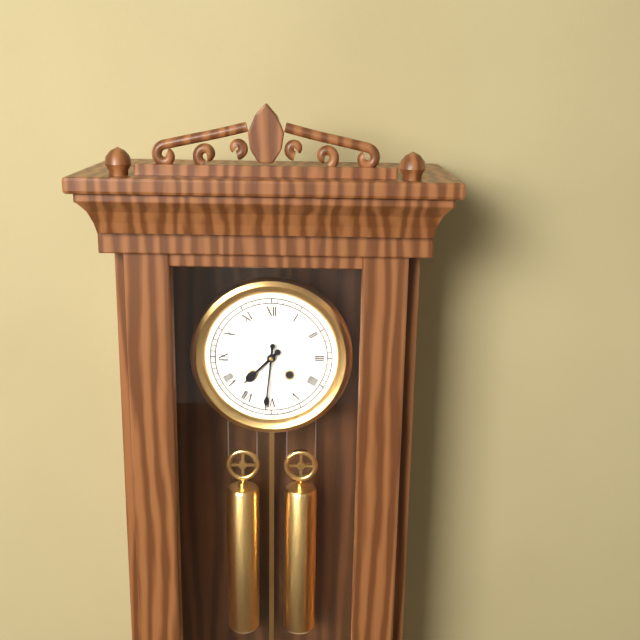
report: 7h31
